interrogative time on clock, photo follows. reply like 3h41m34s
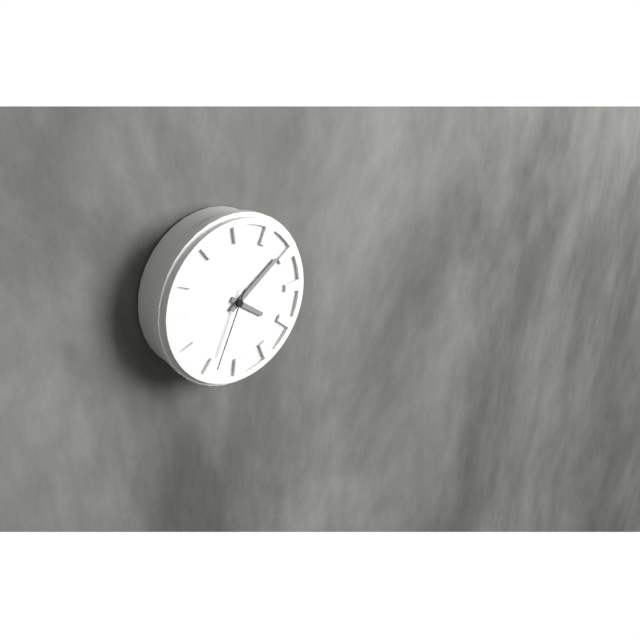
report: 4h09m34s
